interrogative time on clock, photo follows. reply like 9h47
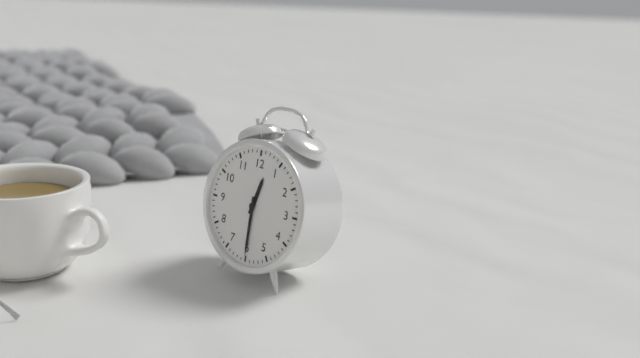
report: 12h30
